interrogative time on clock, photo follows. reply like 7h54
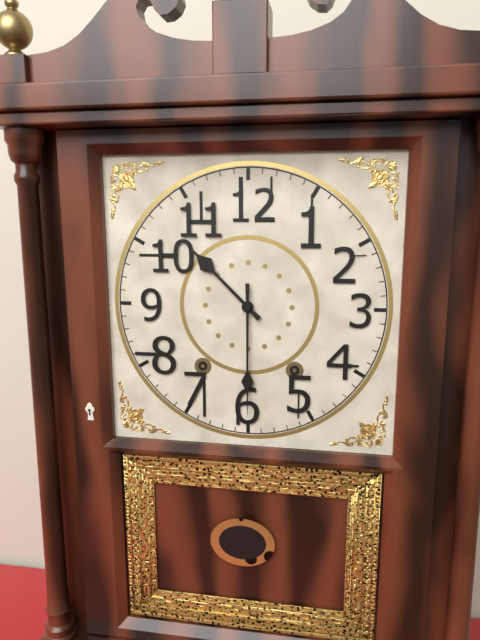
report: 10h30
